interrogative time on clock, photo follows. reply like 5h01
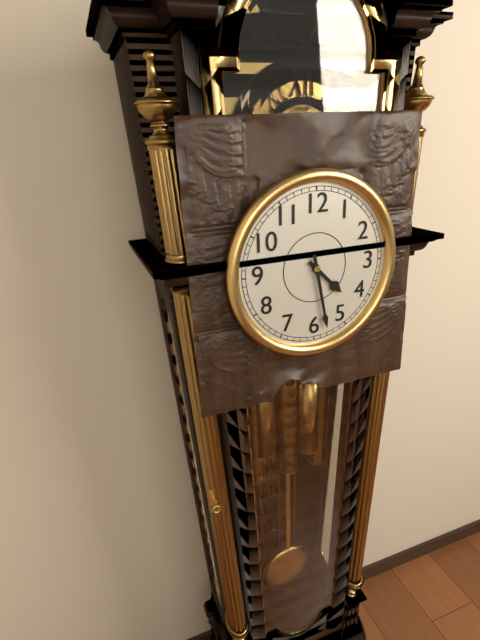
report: 4h28
